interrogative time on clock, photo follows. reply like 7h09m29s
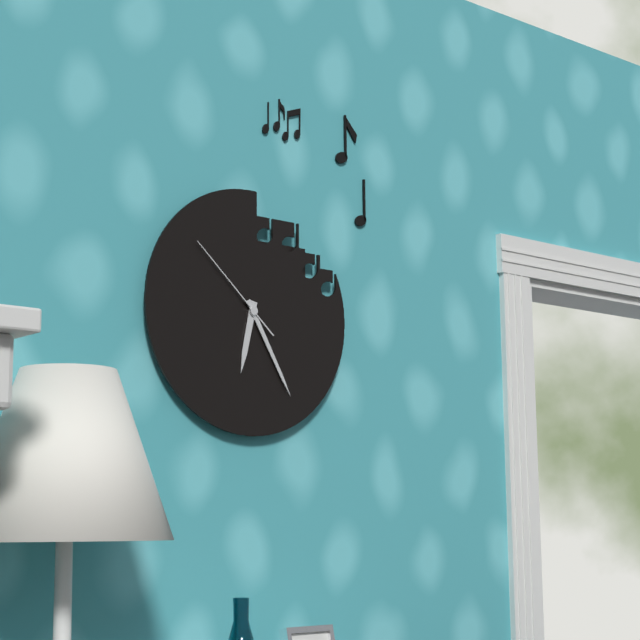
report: 6h25m52s
